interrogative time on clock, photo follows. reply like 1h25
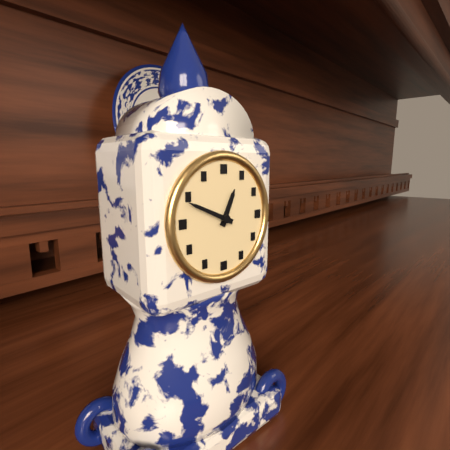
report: 12h49
